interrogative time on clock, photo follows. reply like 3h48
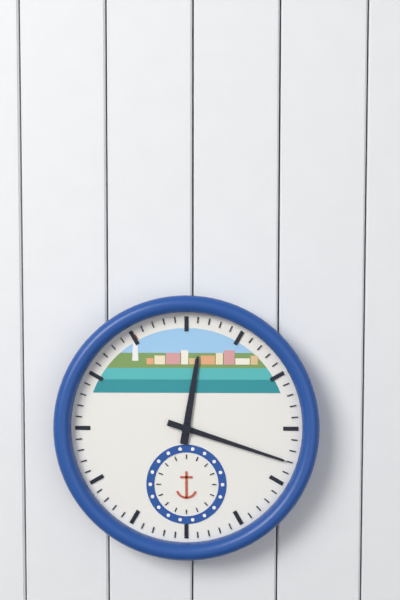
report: 12h18
